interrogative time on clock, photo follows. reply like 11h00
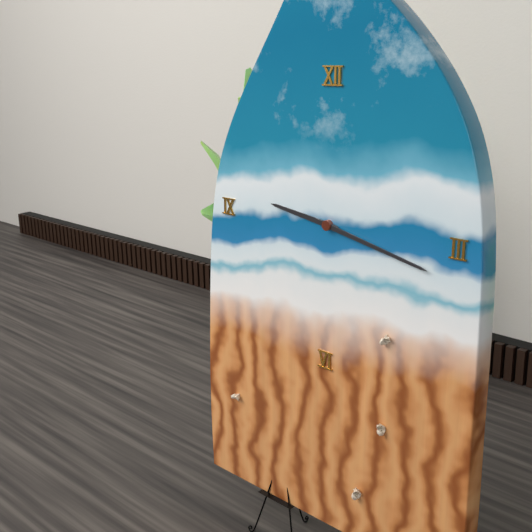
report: 9h17
